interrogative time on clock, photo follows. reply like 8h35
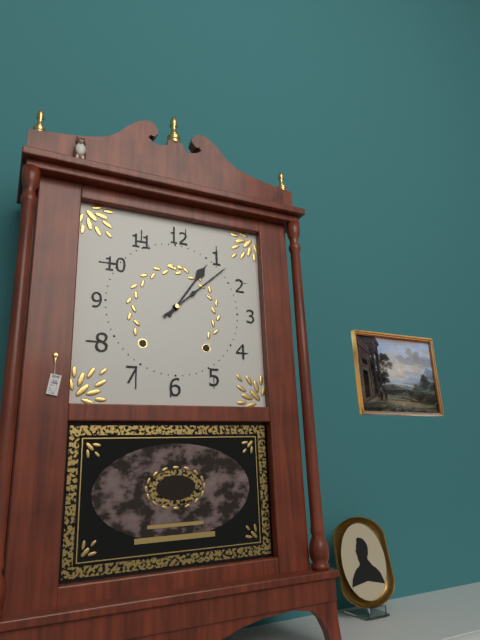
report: 1h08
